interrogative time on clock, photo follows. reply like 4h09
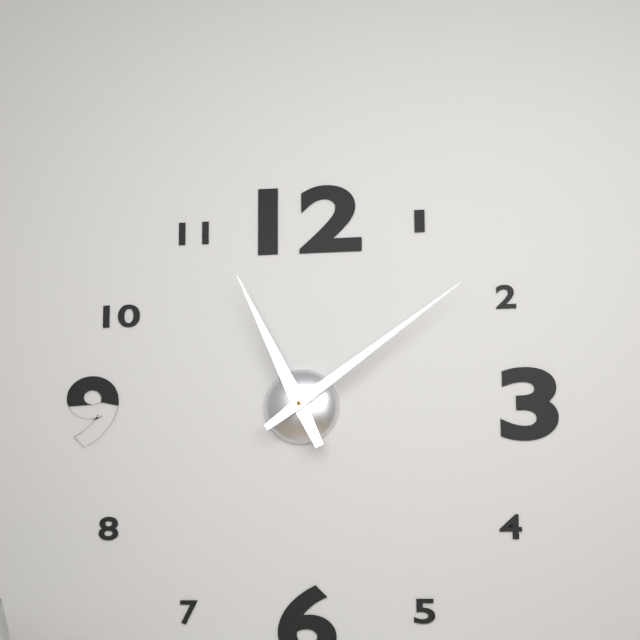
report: 11h09
